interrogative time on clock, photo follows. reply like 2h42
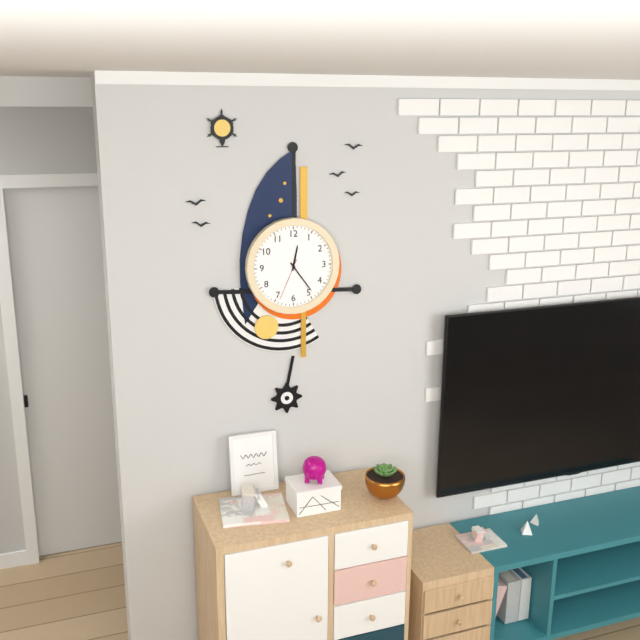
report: 12h24
